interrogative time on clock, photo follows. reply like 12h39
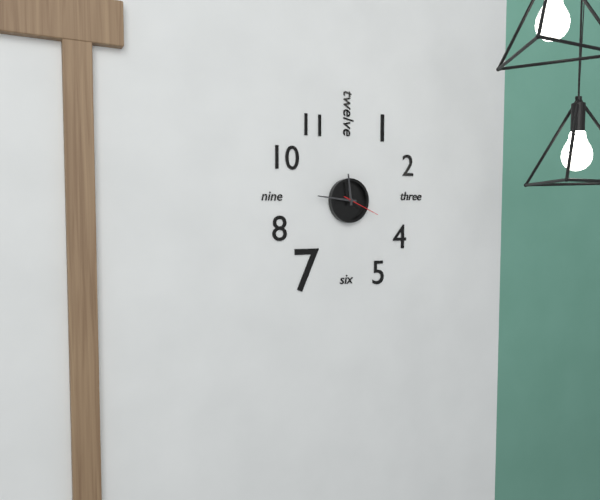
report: 11h46
